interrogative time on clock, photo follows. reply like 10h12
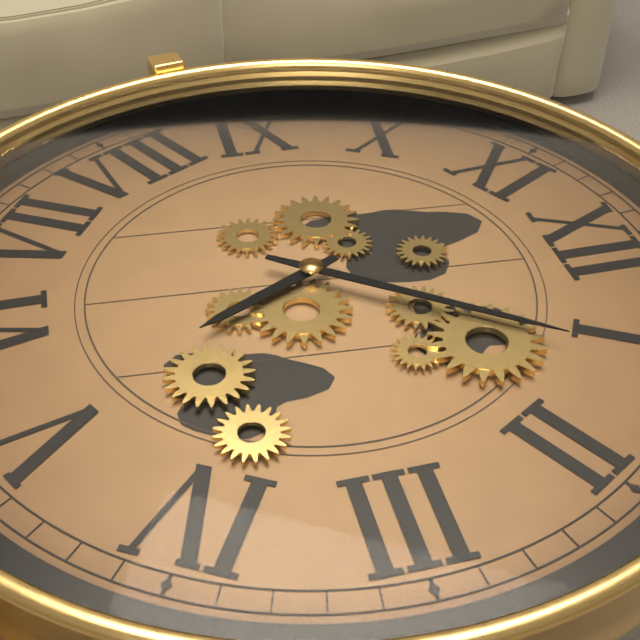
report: 5h06
